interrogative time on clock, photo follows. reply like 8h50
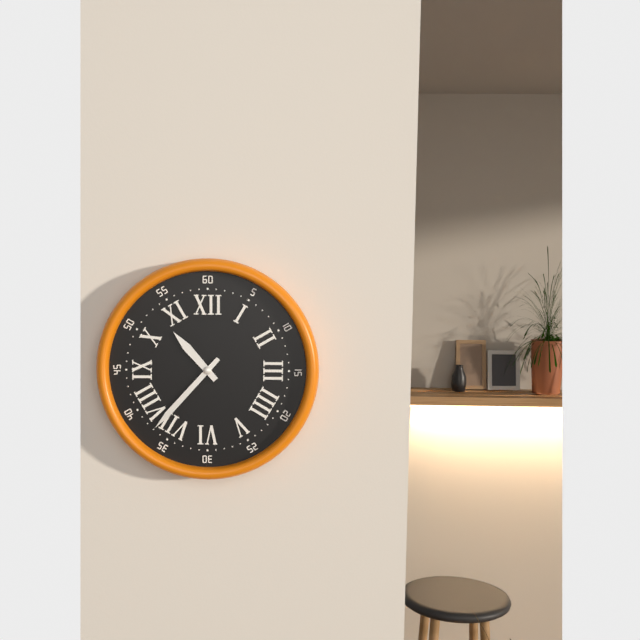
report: 10h37
